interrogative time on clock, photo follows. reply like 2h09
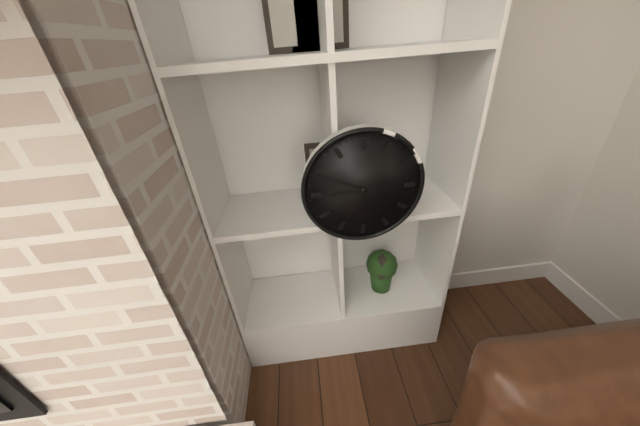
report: 8h49
